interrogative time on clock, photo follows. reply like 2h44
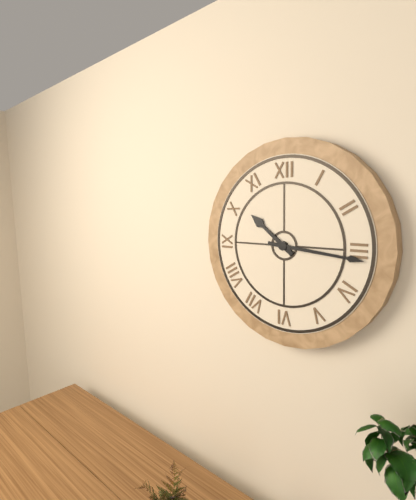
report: 10h16
